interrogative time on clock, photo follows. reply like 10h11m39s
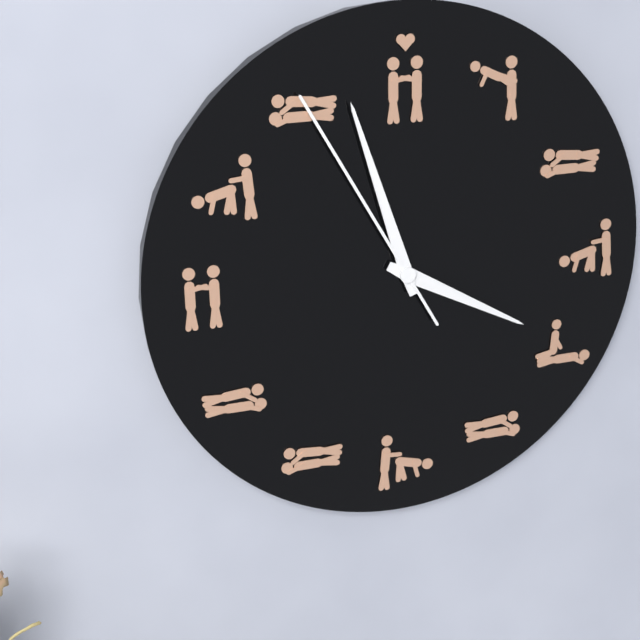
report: 3h57m55s
